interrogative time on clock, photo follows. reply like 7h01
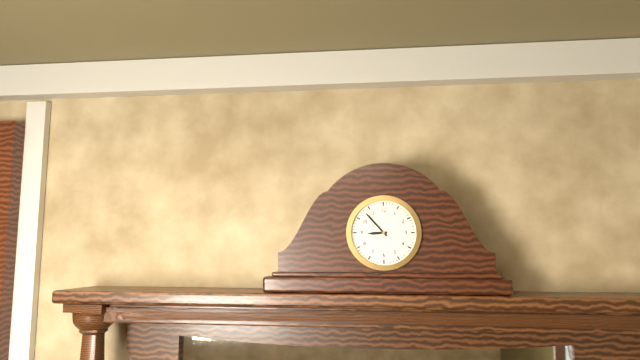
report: 8h53
